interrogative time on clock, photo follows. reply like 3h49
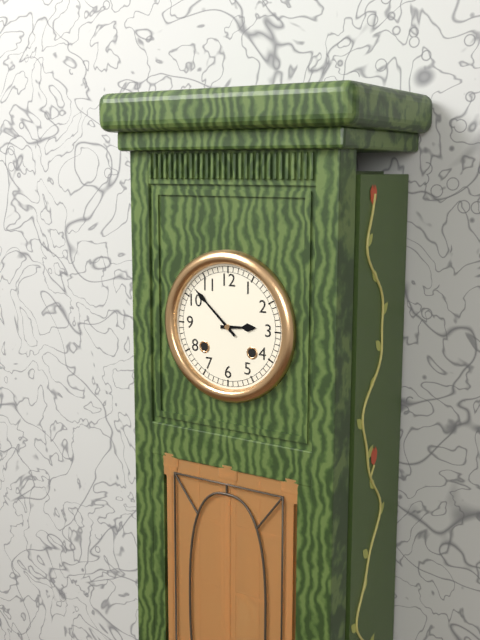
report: 2h52
